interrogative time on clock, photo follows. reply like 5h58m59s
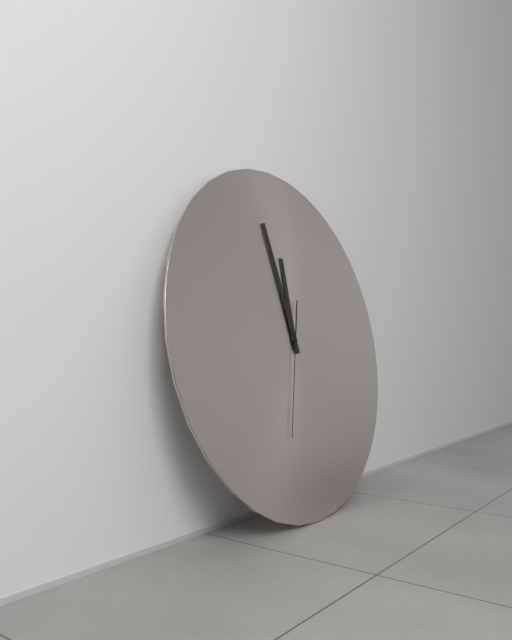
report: 11h58m33s
